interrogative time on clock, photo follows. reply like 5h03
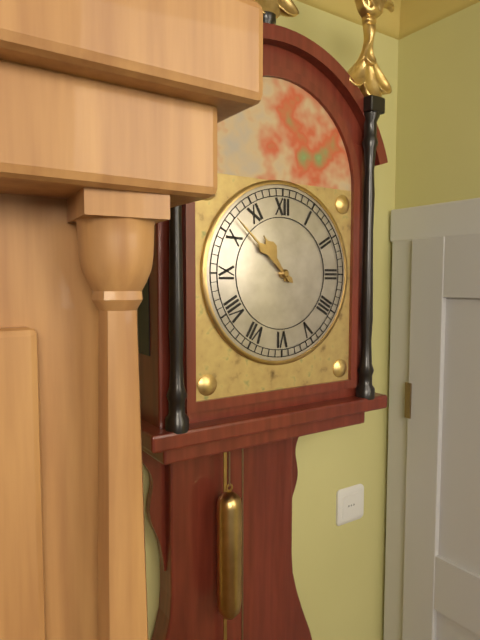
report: 10h52
